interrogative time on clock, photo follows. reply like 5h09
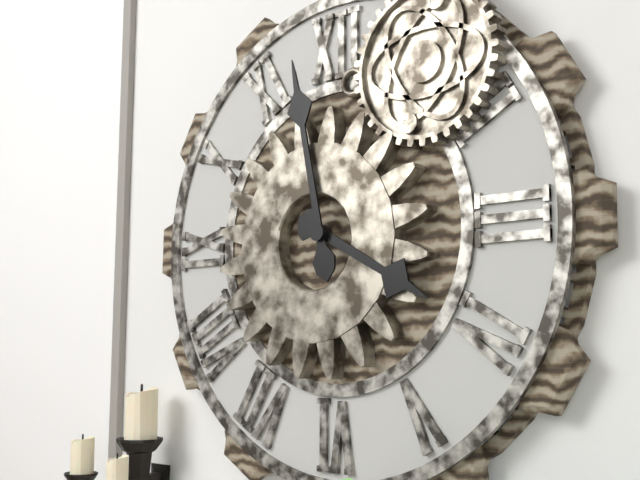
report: 3h58
